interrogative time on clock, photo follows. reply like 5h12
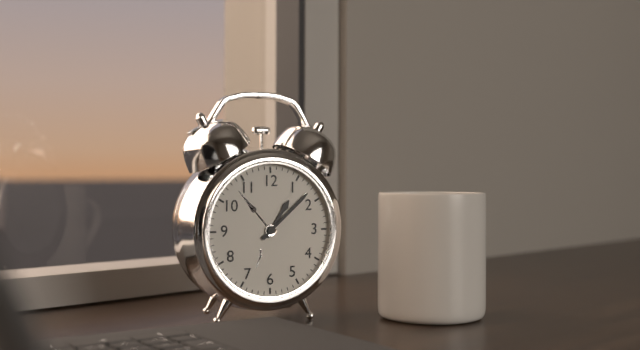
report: 1h08
